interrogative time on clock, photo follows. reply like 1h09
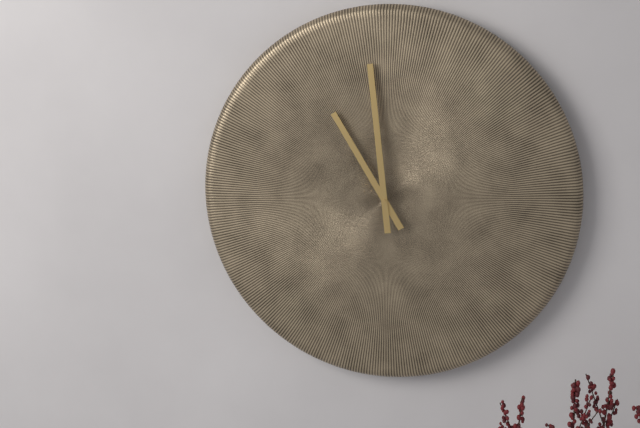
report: 10h59
